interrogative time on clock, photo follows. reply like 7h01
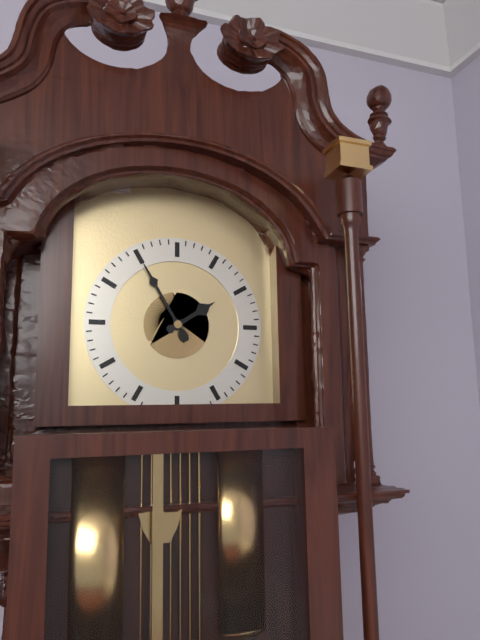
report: 1h55
